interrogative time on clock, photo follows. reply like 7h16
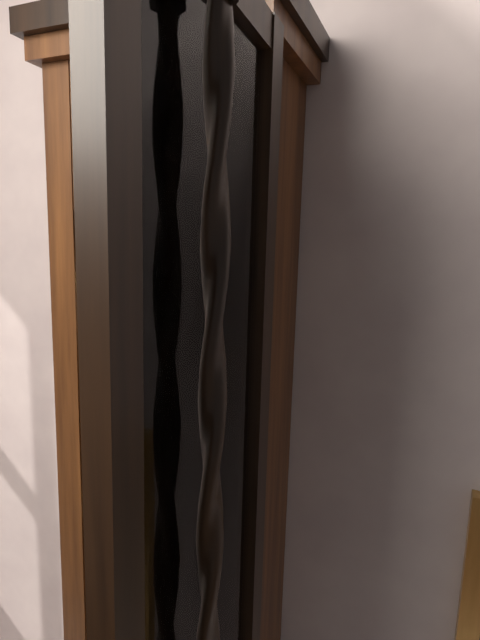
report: 12h07
